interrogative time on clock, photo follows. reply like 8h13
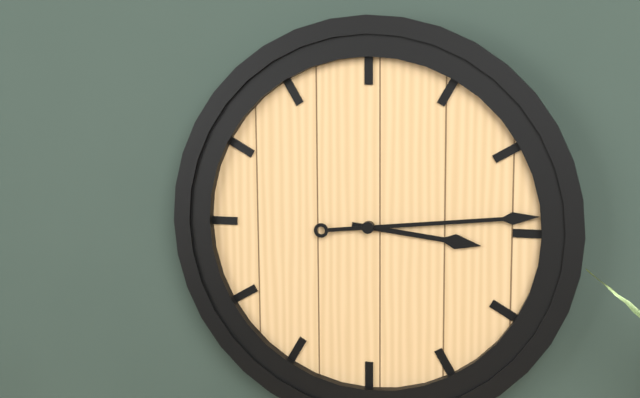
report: 3h14
